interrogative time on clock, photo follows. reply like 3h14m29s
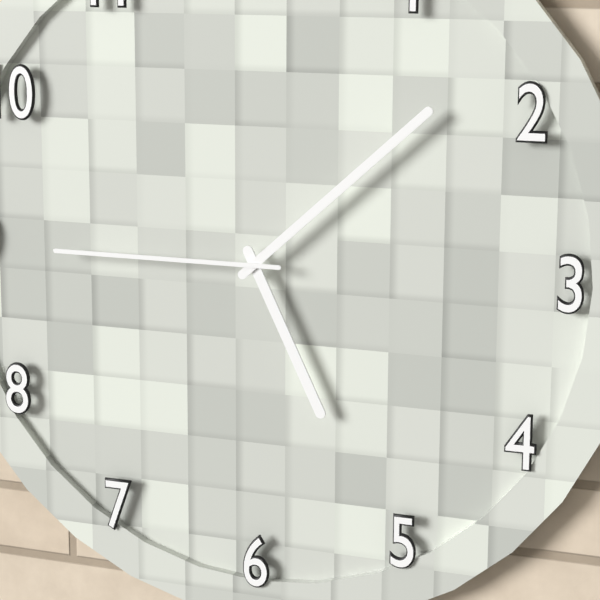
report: 5h08m45s
